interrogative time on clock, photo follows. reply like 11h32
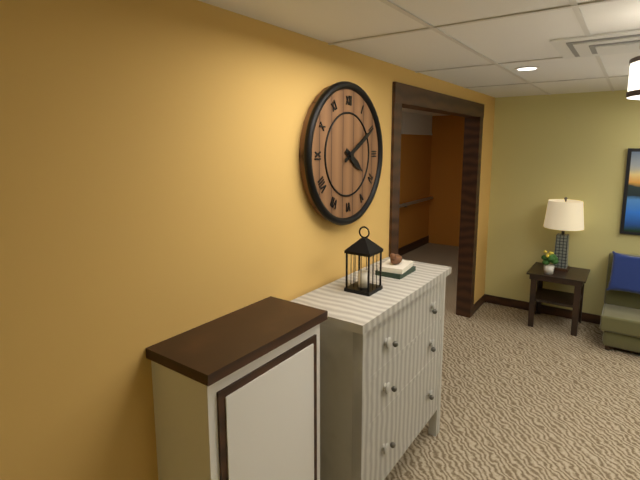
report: 4h10
